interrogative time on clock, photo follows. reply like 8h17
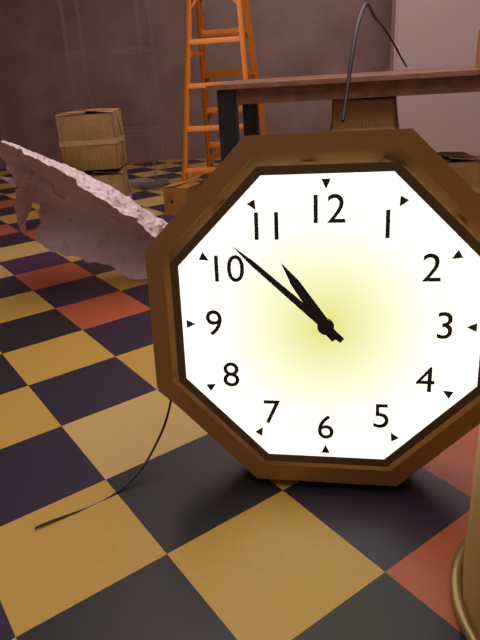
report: 10h52
